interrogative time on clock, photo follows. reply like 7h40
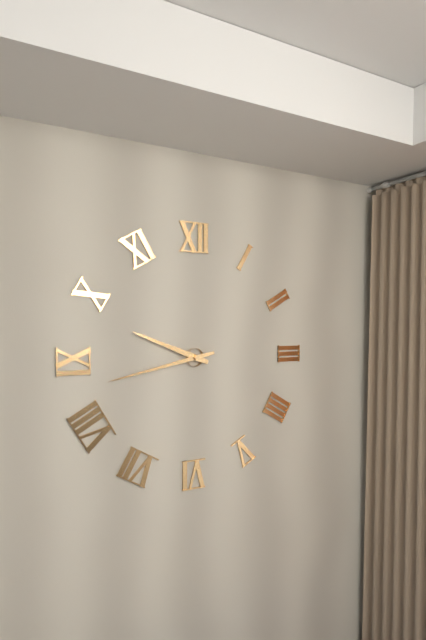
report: 9h43
